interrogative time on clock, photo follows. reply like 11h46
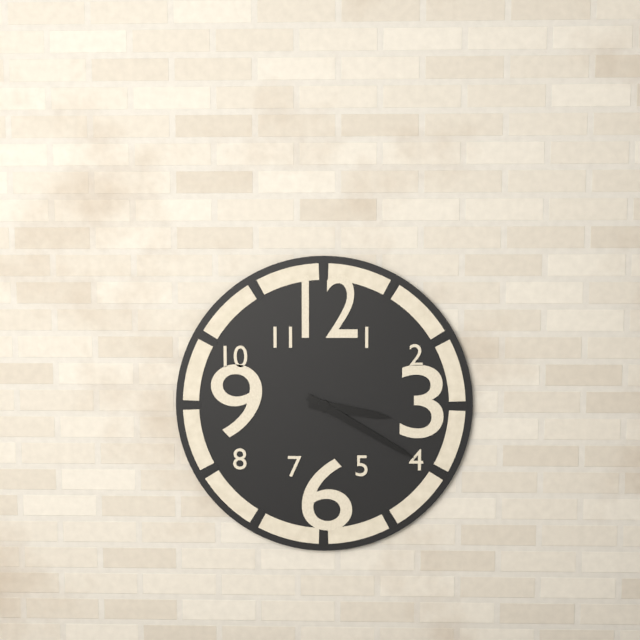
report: 3h20
